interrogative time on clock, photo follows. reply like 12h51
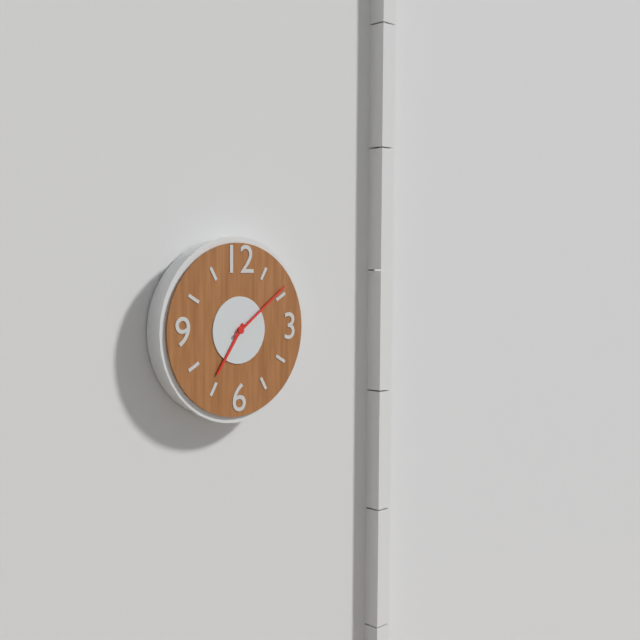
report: 7h09
